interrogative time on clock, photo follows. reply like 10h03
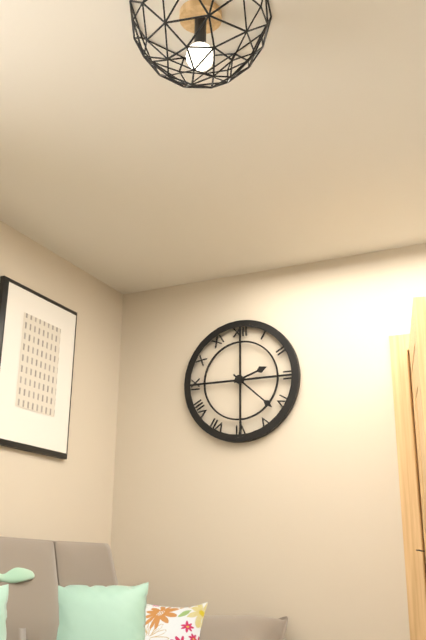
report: 2h22
